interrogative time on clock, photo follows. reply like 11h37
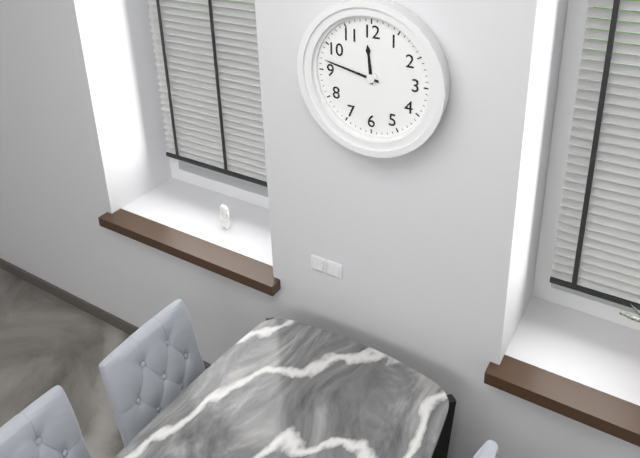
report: 11h47
